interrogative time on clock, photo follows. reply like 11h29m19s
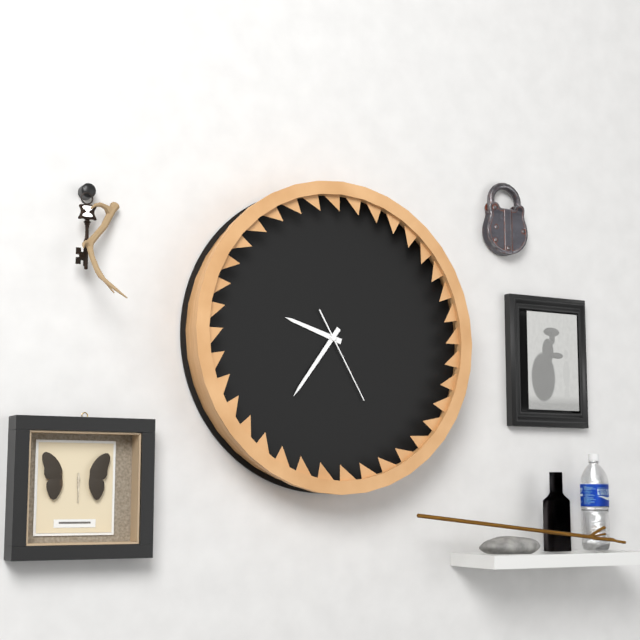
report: 9h36m25s
